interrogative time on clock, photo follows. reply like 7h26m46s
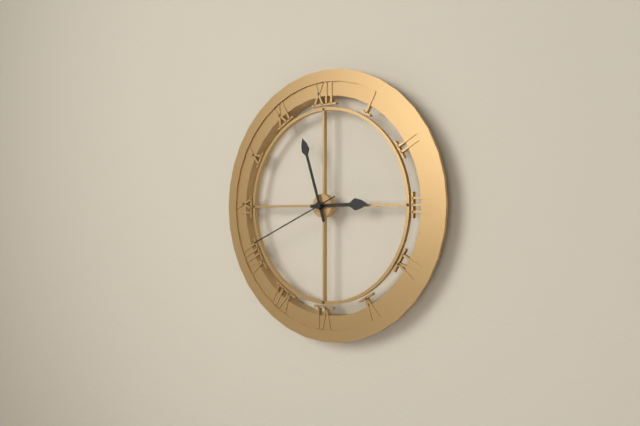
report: 2h57m41s
